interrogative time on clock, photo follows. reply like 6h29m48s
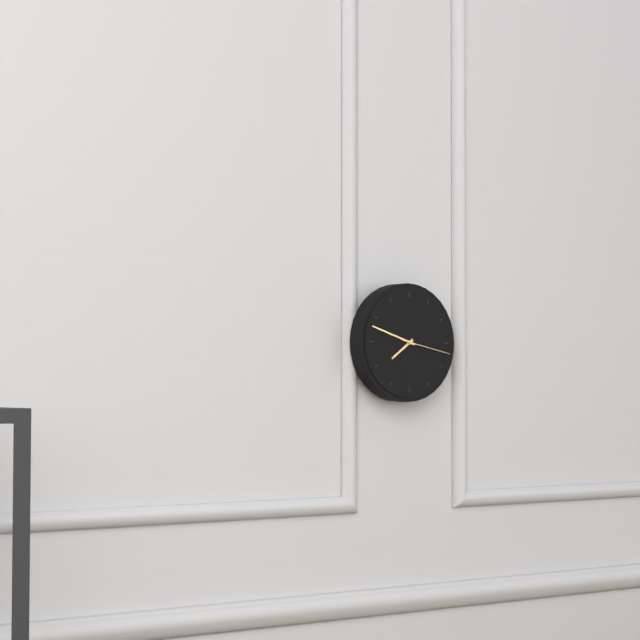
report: 7h48m17s
